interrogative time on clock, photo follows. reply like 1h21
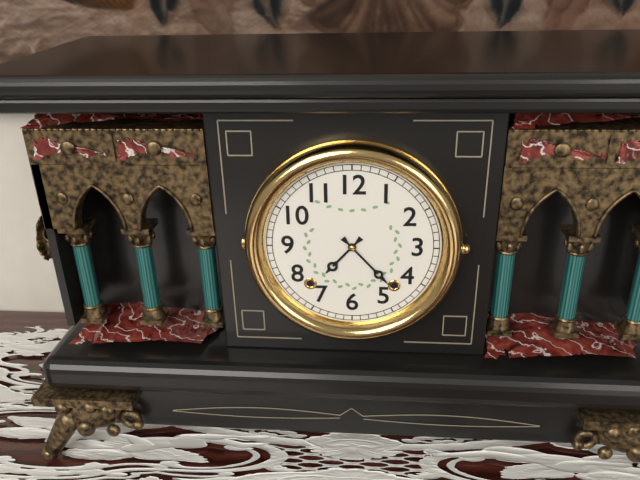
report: 7h23
